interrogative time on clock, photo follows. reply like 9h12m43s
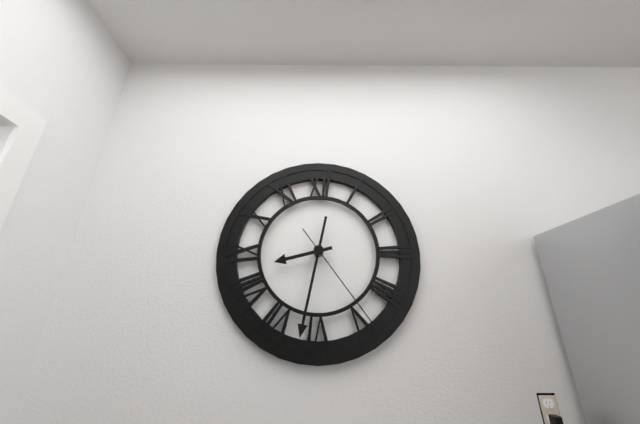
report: 8h32m24s
